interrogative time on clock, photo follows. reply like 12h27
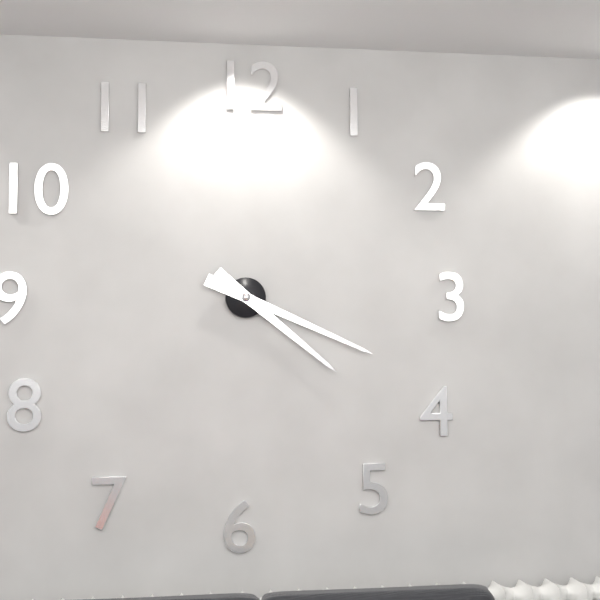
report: 4h19
